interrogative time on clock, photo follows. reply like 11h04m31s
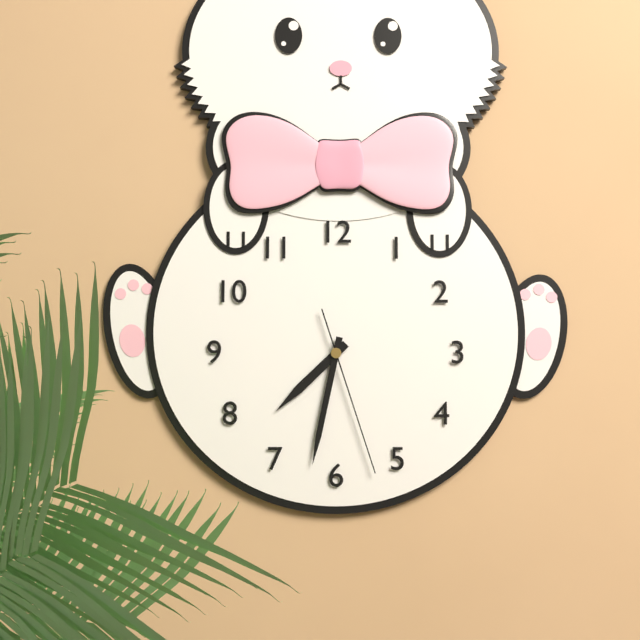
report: 7h32m27s
